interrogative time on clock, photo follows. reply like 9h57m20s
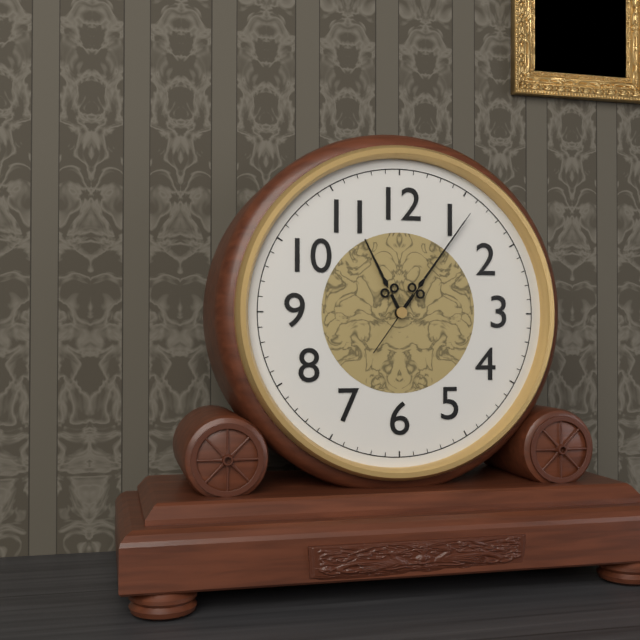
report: 11h06m06s
